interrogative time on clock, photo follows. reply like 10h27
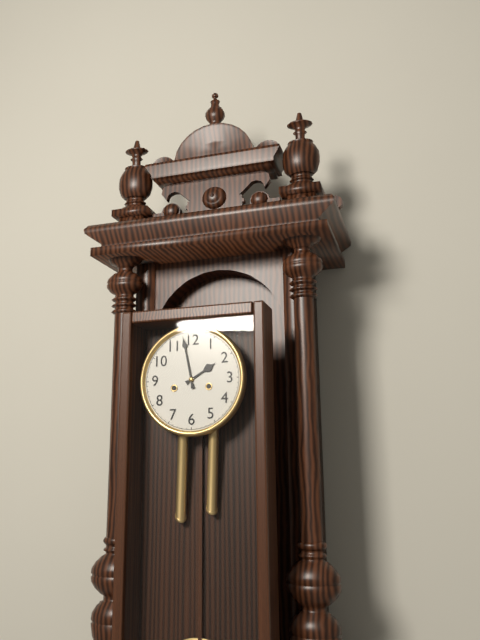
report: 1h58
